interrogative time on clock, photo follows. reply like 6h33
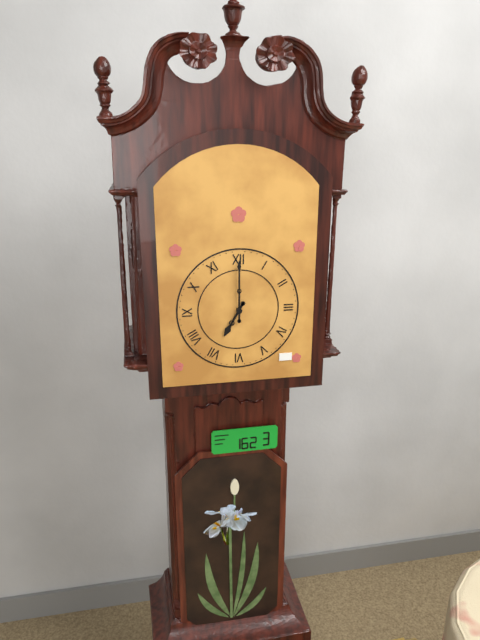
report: 7h00
